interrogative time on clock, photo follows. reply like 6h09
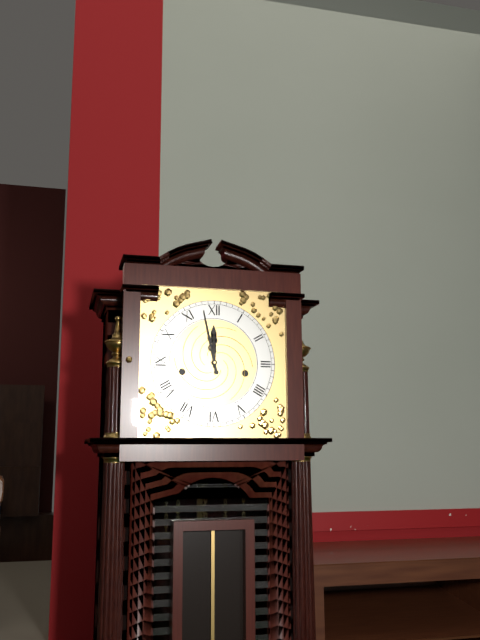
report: 11h58
